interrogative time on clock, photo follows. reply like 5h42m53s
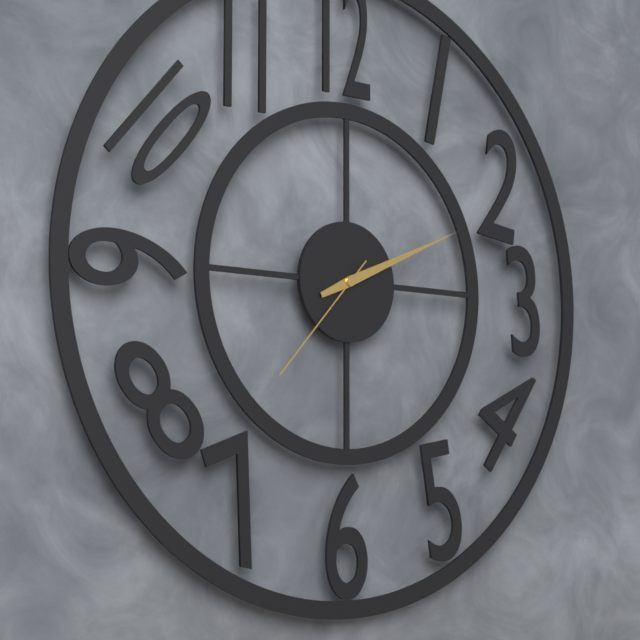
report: 2h11m37s
